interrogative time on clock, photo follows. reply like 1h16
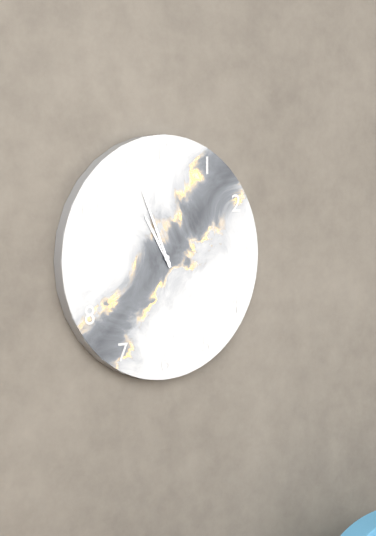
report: 10h56
